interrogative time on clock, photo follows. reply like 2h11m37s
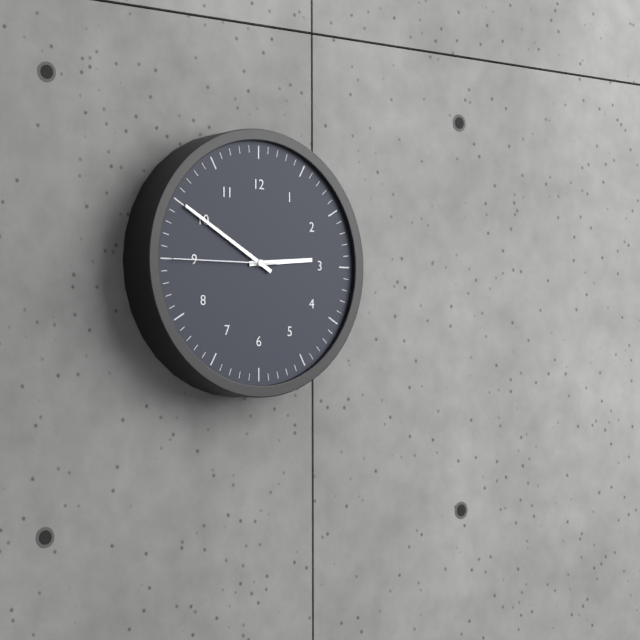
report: 2h50m45s
